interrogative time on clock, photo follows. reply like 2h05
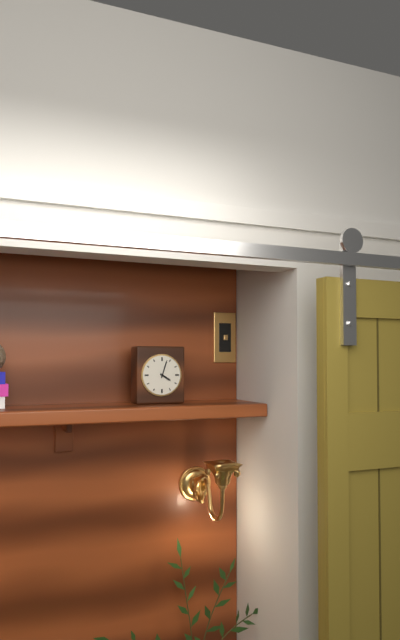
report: 4h03
